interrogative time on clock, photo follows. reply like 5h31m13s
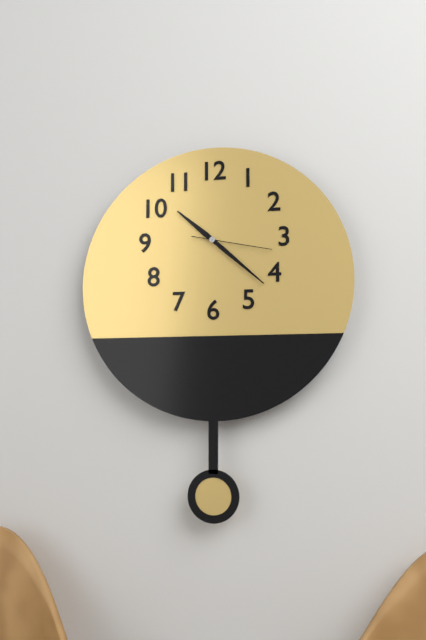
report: 10h22m17s
